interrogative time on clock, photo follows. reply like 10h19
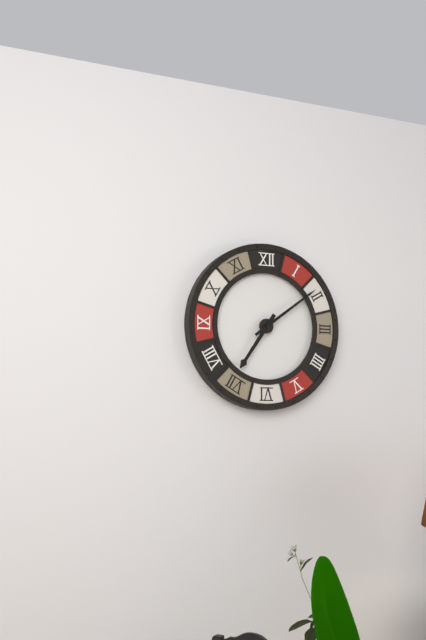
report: 7h09
